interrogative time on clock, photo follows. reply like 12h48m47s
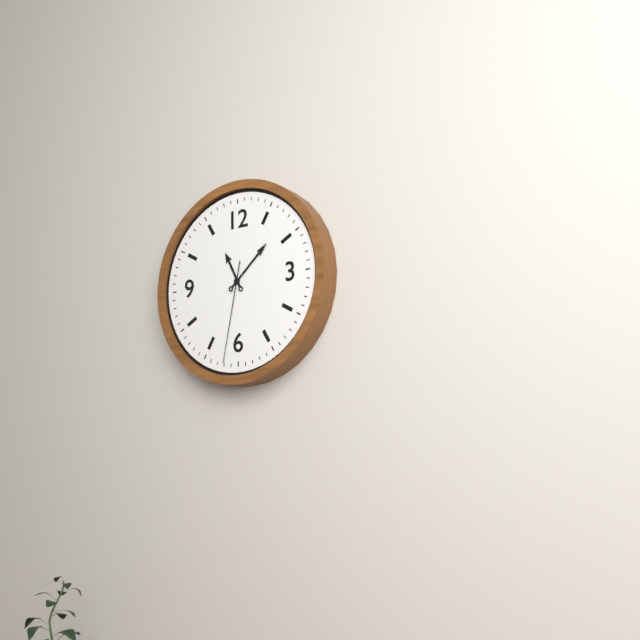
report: 11h08m32s
